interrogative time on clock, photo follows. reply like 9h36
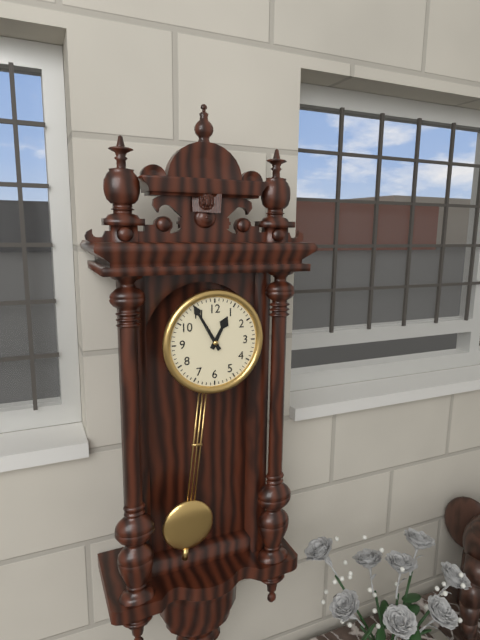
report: 12h55
